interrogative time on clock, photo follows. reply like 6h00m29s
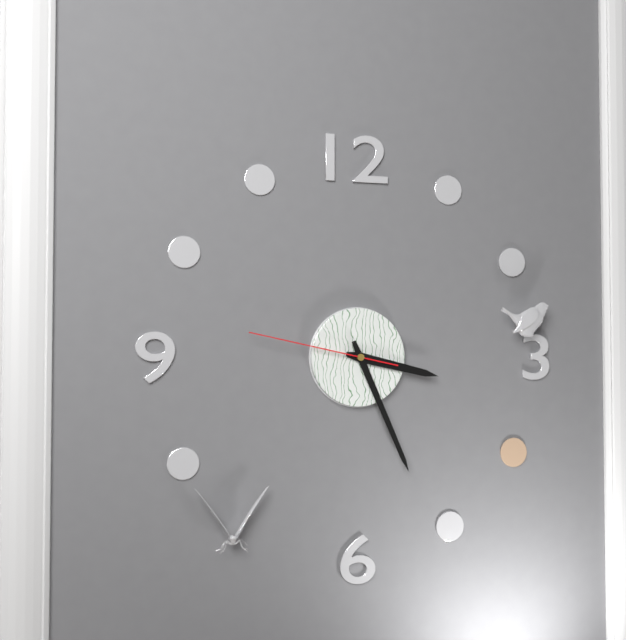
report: 3h26m47s
